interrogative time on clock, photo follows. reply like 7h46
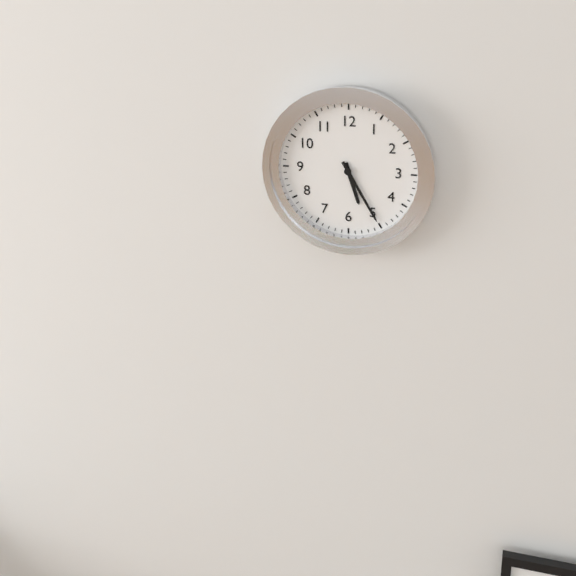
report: 5h25
